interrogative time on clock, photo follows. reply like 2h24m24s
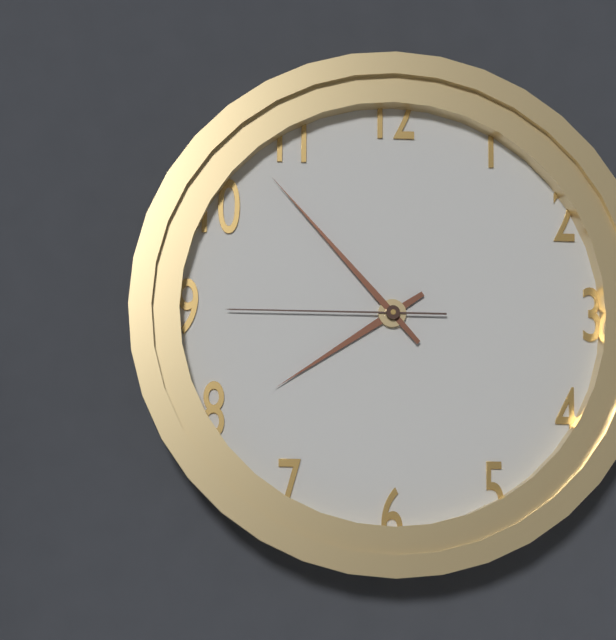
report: 7h53m45s
